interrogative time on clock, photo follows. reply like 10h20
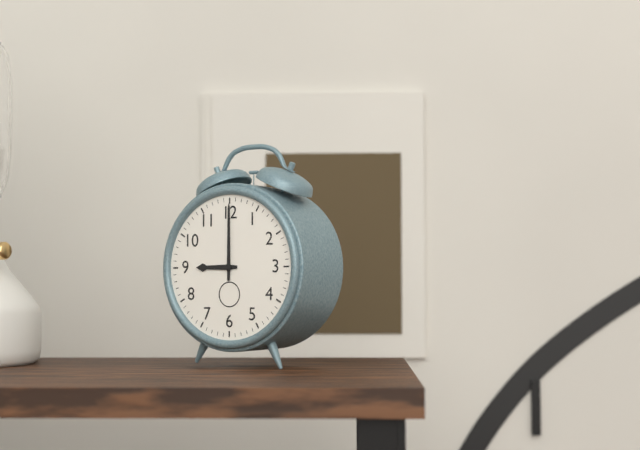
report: 9h00
